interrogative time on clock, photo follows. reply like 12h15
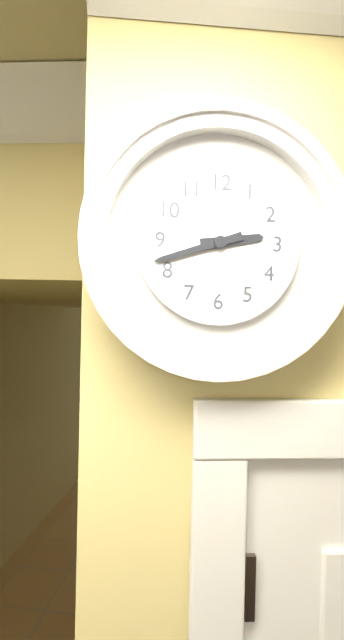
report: 2h42
